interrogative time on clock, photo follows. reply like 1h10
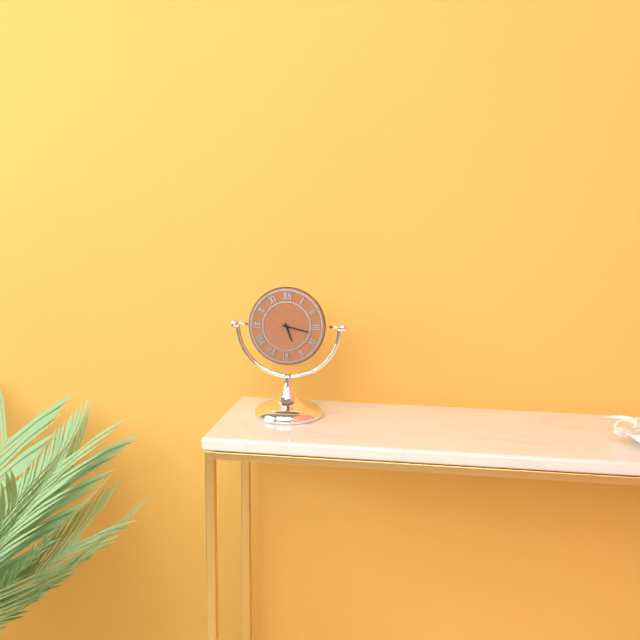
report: 5h17
